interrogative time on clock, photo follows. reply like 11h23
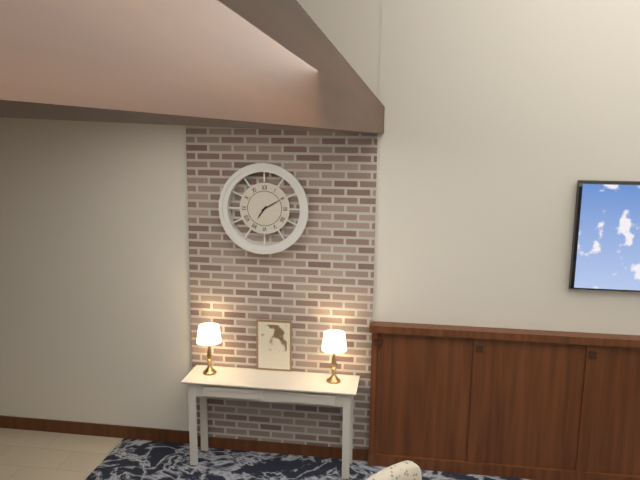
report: 7h10
